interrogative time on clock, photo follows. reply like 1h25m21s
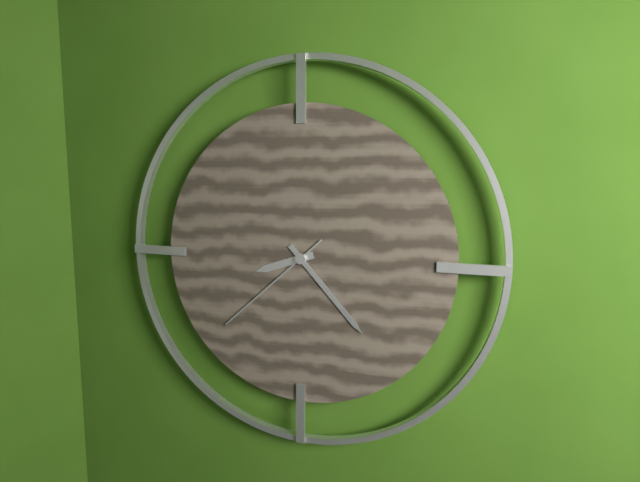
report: 8h23m38s
